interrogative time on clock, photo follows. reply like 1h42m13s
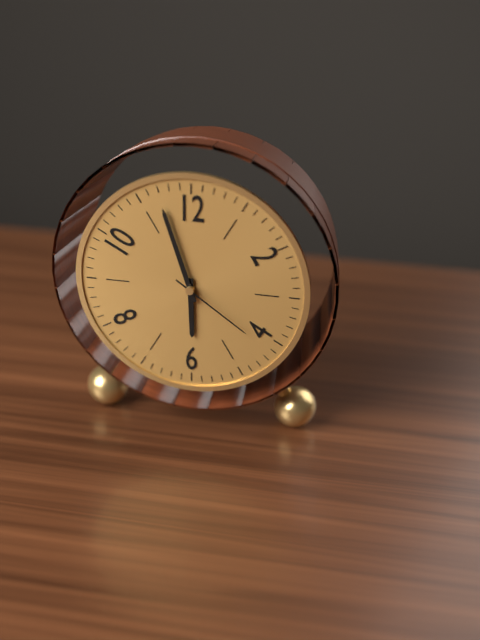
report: 5h57m21s
